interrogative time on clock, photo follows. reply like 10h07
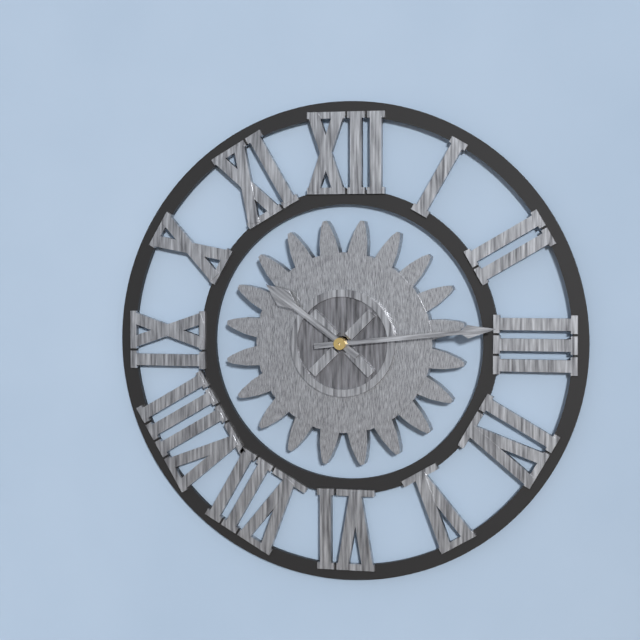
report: 10h14
